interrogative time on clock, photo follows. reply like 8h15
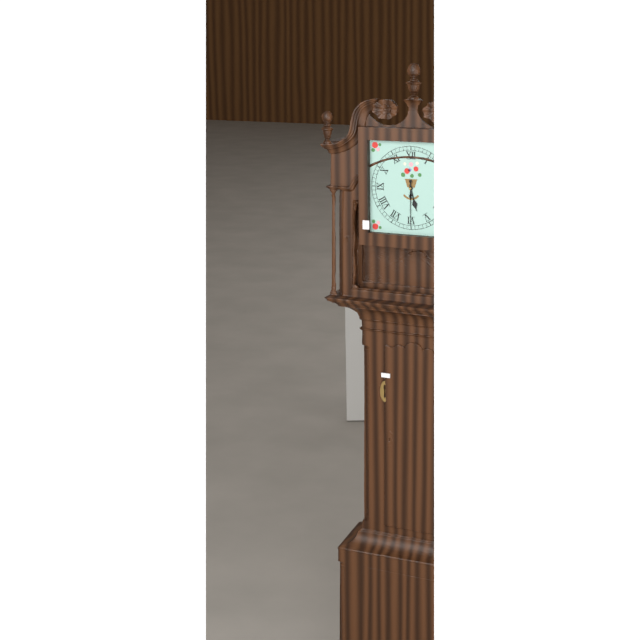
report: 5h30
